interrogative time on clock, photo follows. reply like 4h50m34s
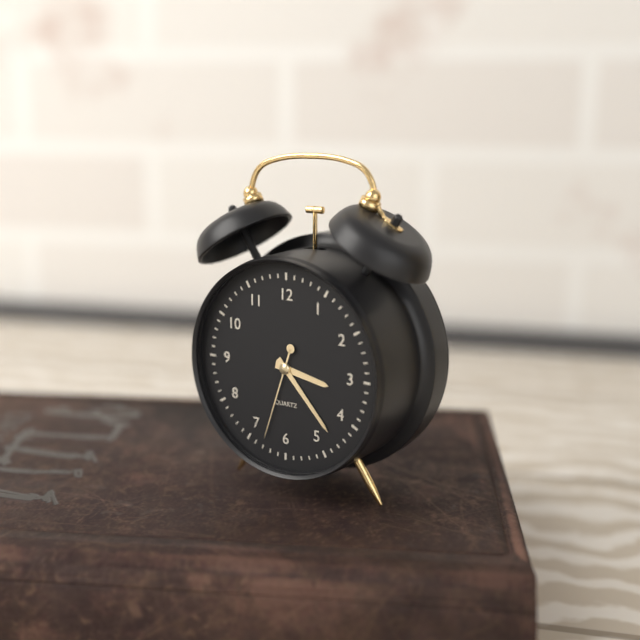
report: 3h23m33s
